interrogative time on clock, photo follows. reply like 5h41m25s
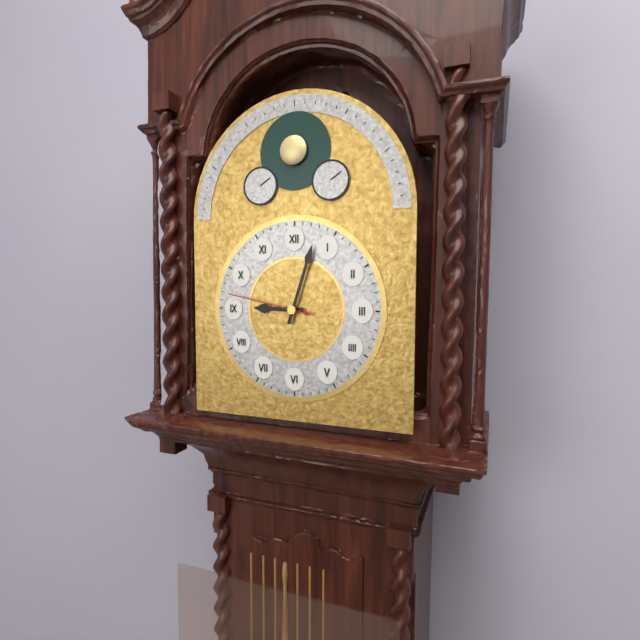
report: 9h03m47s
